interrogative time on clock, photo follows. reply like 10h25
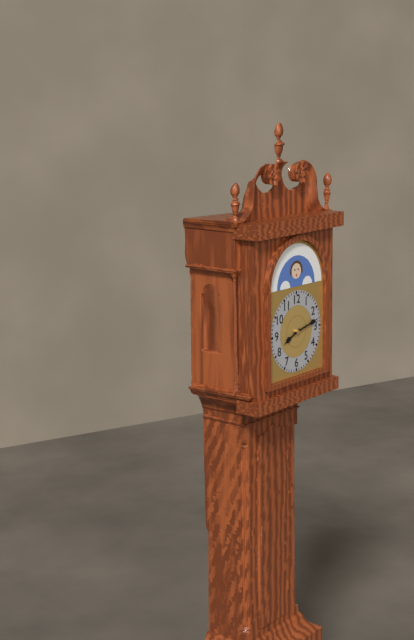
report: 8h13
